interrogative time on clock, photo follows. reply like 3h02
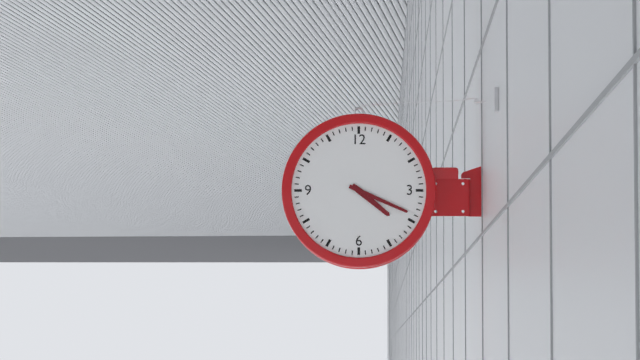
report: 4h19
